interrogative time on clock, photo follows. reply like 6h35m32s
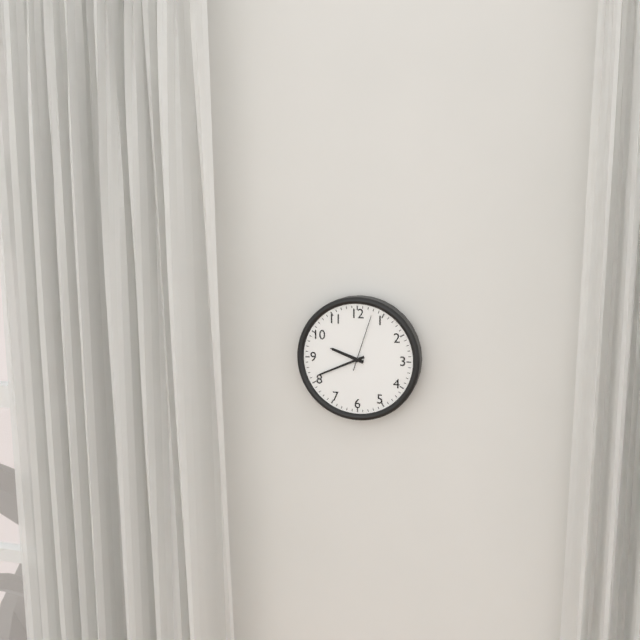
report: 9h41m03s
